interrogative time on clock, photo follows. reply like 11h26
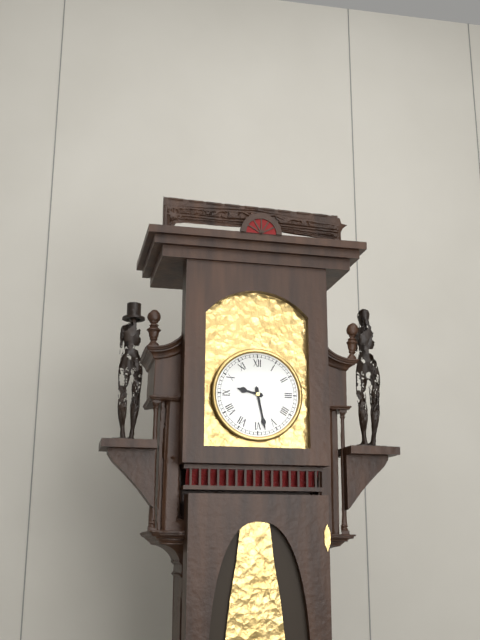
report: 9h28
